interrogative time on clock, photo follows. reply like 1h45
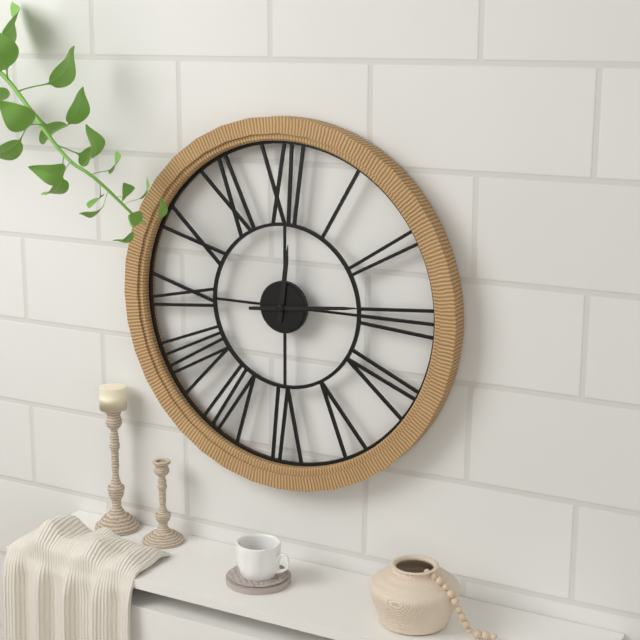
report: 12h14
